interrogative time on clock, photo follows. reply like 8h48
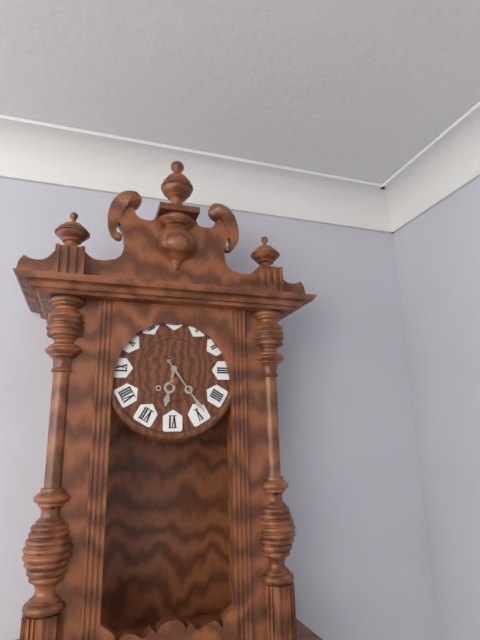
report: 6h24
